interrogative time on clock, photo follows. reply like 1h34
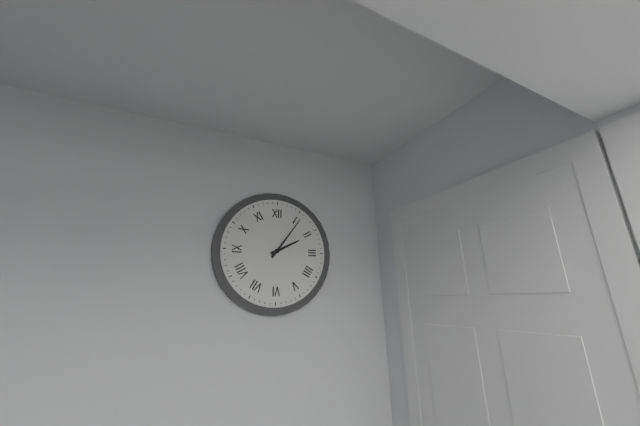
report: 2h06
